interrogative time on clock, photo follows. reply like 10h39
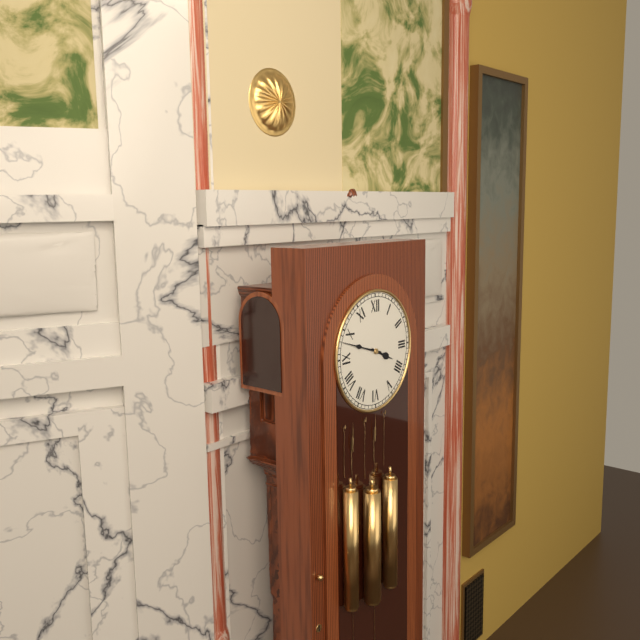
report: 3h48
